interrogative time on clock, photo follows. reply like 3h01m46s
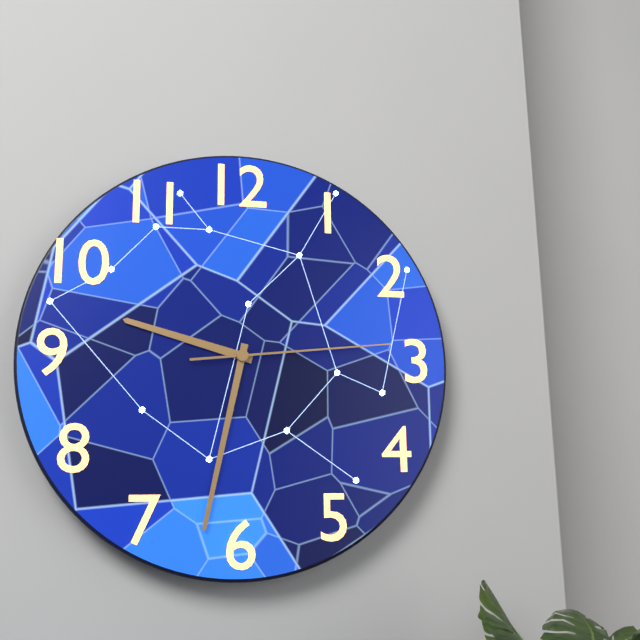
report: 9h32m14s
